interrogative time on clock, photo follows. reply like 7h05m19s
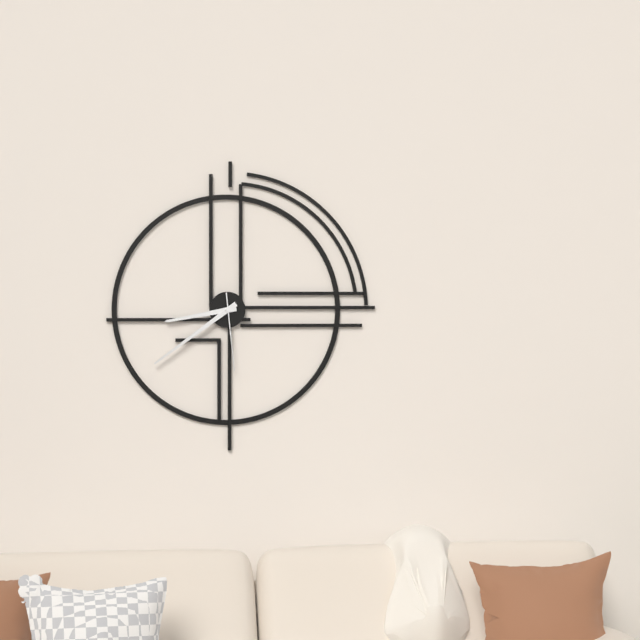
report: 8h39m29s
